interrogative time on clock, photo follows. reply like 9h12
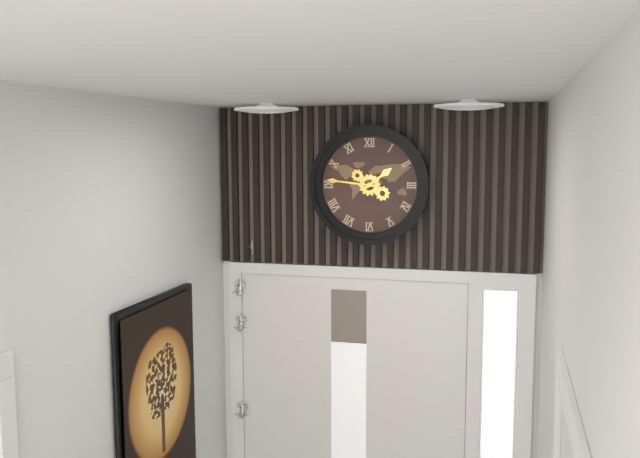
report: 1h46
